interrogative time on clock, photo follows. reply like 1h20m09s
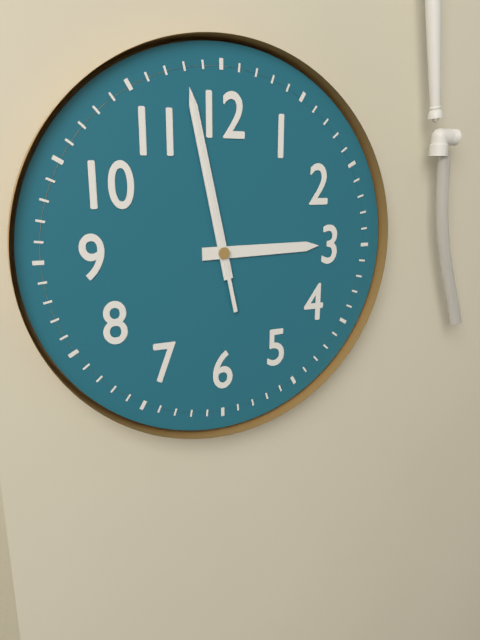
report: 2h58m58s
